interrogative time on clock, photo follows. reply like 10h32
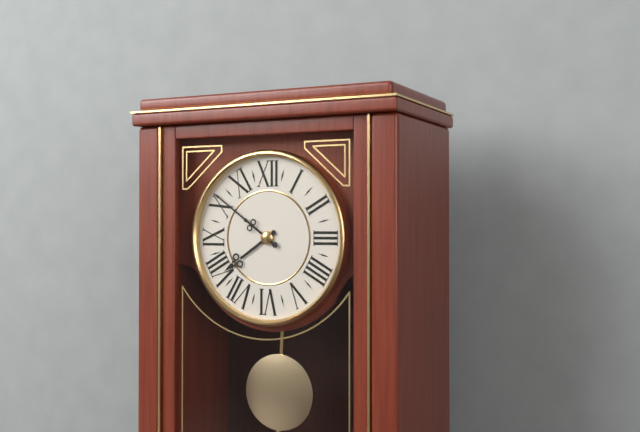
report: 7h51
